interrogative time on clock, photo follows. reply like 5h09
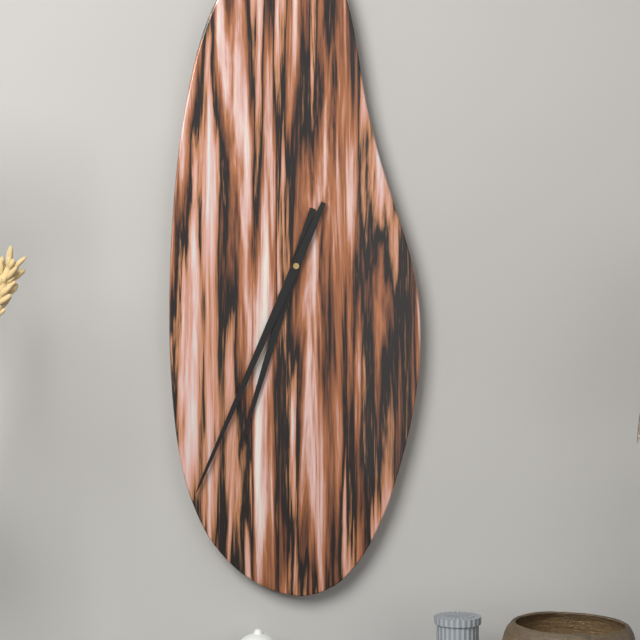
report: 6h34
